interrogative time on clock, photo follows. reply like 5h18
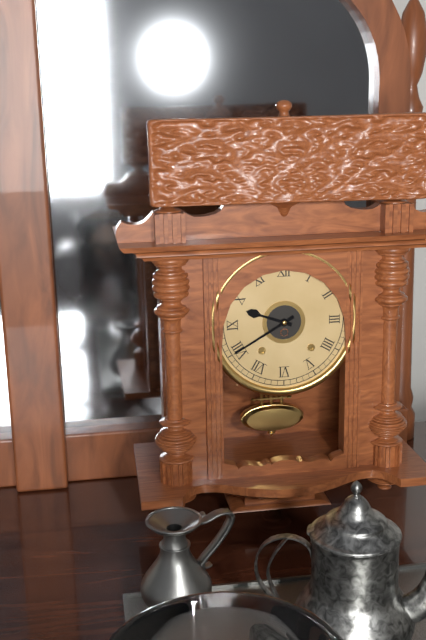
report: 9h40
